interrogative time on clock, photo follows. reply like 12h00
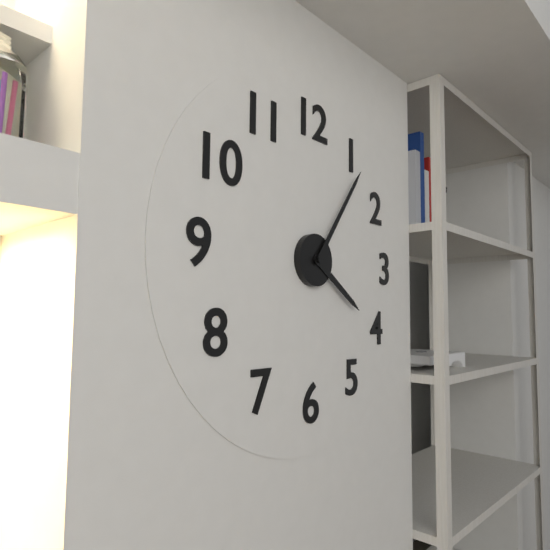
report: 4h06
